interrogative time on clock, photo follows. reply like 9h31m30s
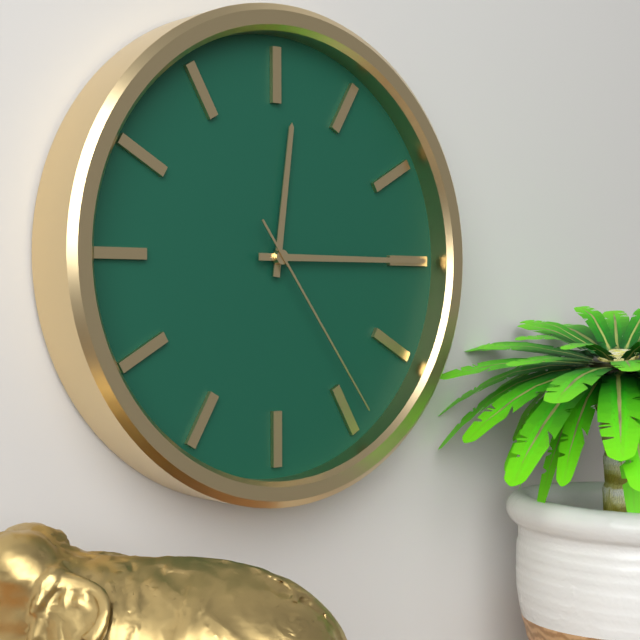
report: 12h15m24s
